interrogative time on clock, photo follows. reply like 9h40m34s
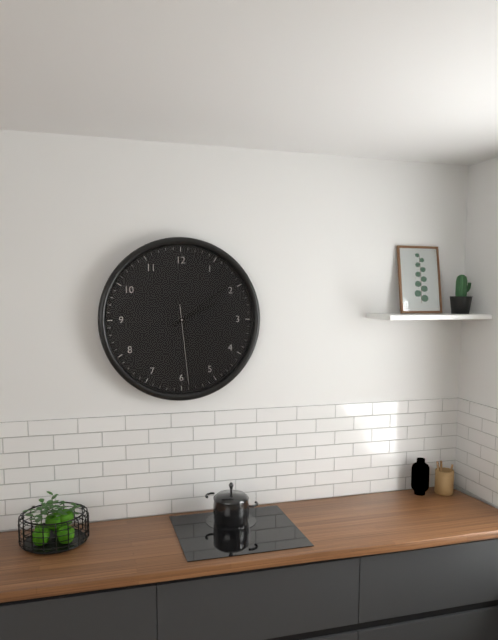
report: 2h09m29s
